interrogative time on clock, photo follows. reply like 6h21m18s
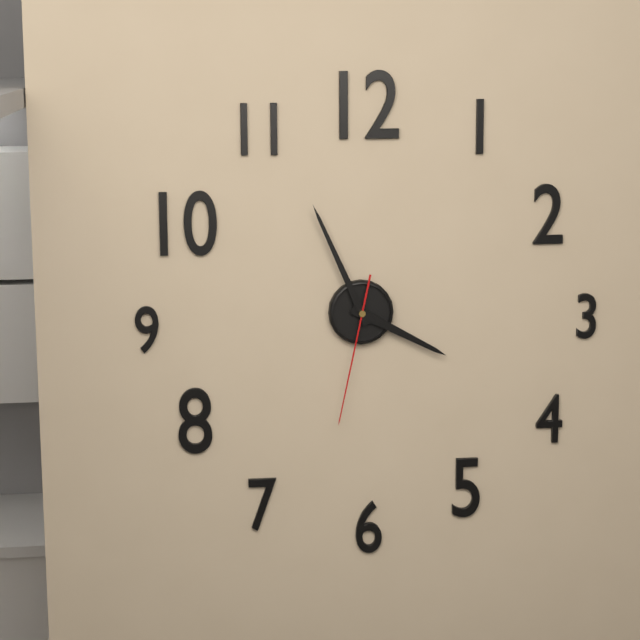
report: 3h56m32s
